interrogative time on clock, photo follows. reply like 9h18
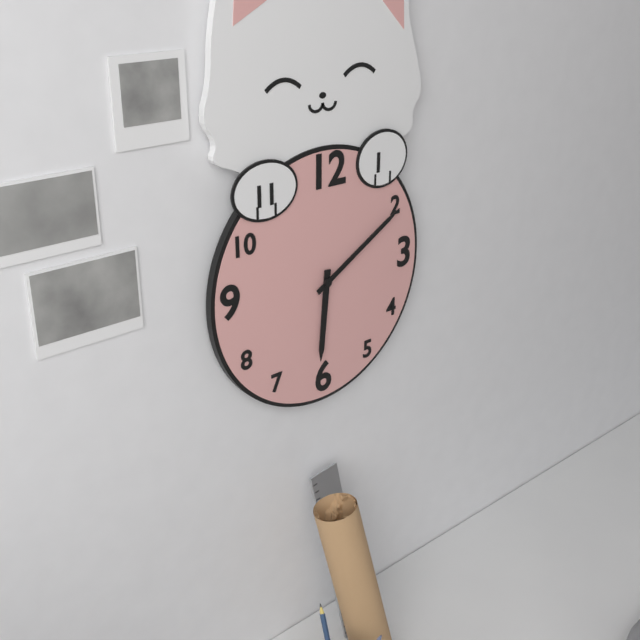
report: 6h10
